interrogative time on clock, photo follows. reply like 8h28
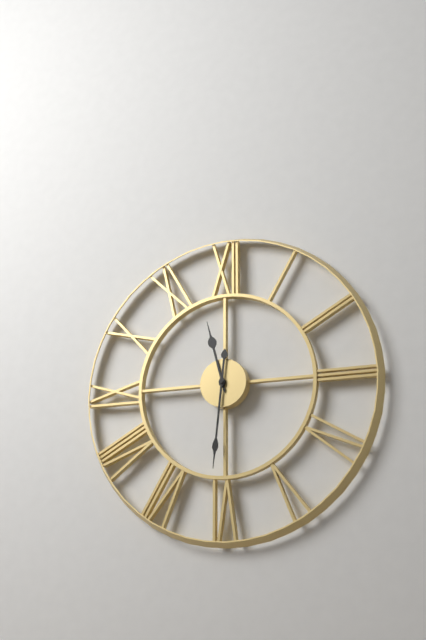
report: 11h31
